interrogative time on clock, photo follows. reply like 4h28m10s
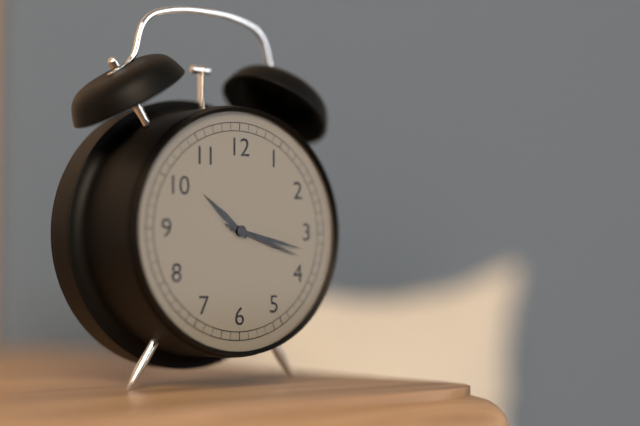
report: 10h17m18s
